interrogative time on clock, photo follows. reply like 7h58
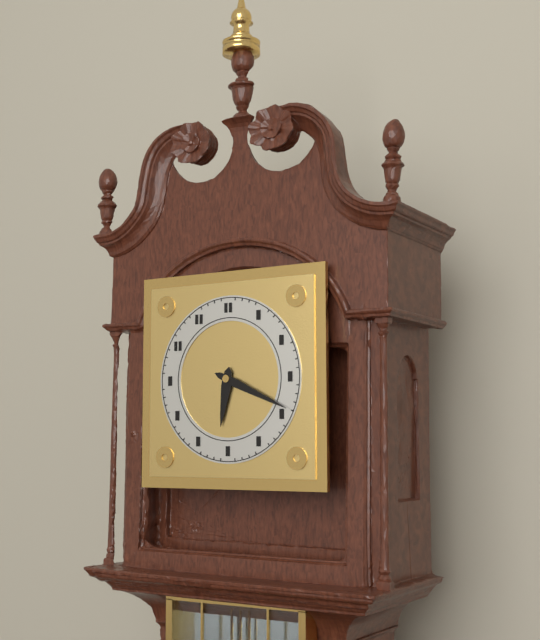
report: 6h19
